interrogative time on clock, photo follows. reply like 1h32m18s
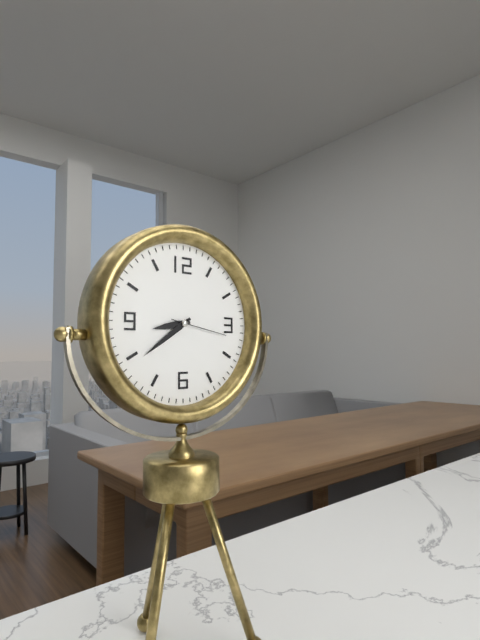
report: 8h39m17s
